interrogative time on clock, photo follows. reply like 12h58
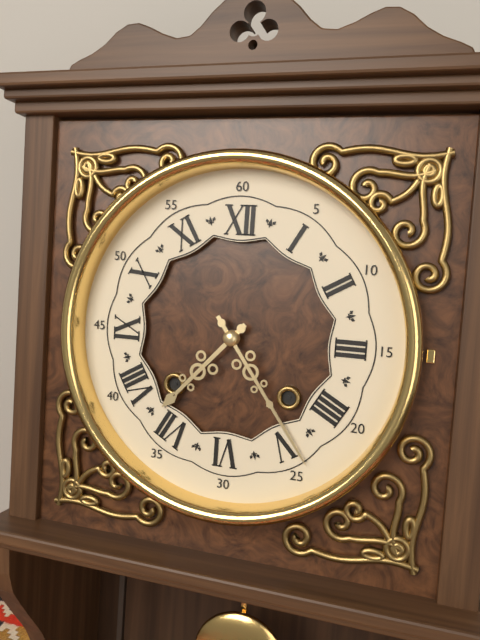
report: 7h24
